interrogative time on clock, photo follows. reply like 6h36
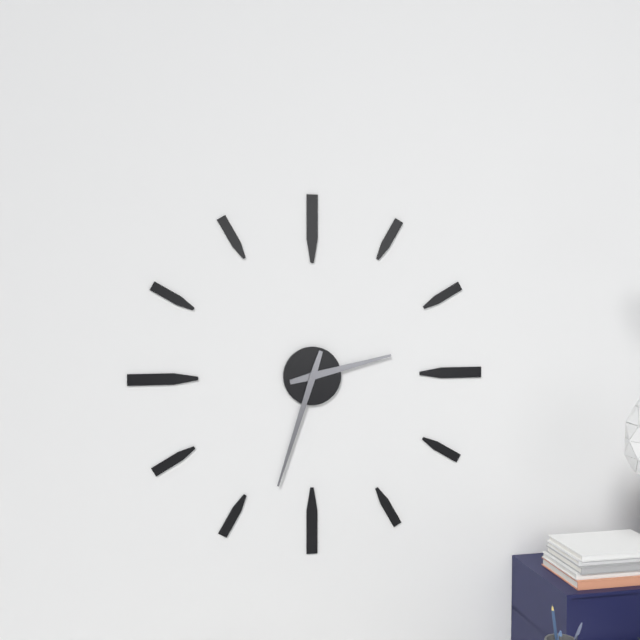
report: 2h33
